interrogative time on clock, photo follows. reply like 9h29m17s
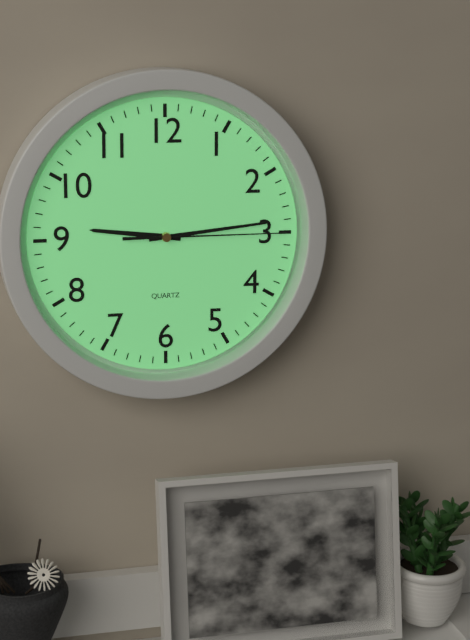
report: 9h14m15s
